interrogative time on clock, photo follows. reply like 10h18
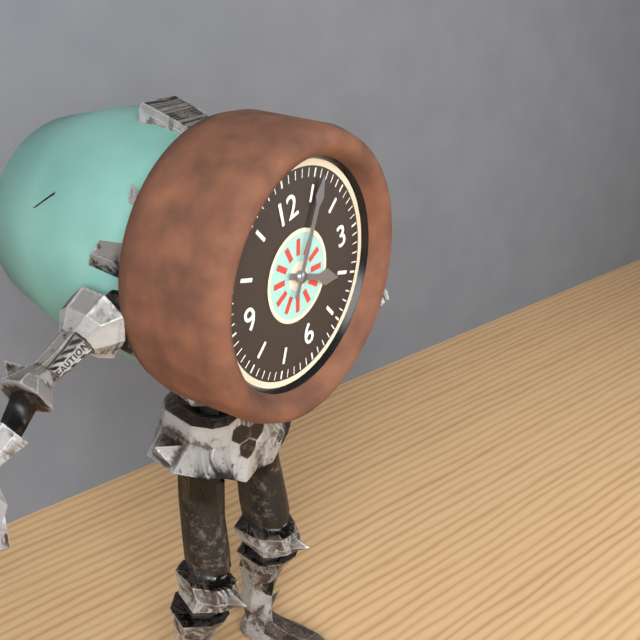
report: 4h06
